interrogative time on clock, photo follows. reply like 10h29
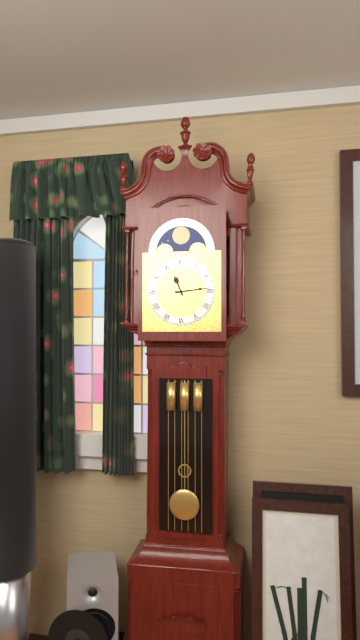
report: 11h14
